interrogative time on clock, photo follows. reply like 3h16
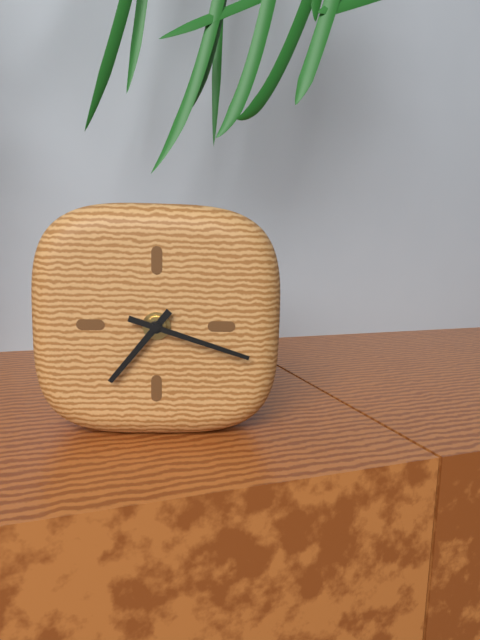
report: 7h18
